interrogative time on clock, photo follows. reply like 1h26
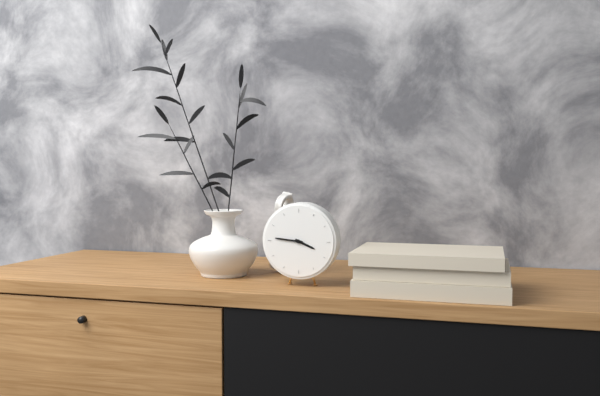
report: 3h46
